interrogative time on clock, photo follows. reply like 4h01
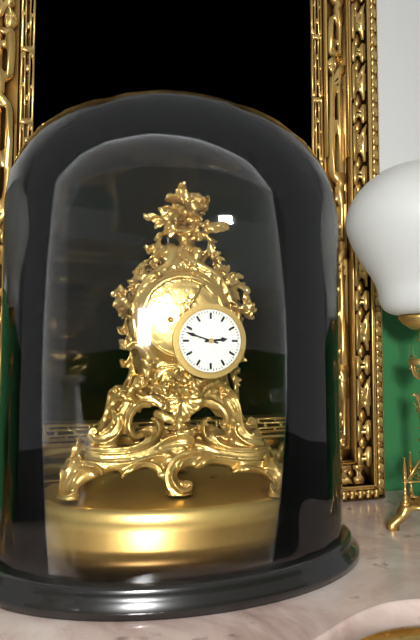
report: 2h48
